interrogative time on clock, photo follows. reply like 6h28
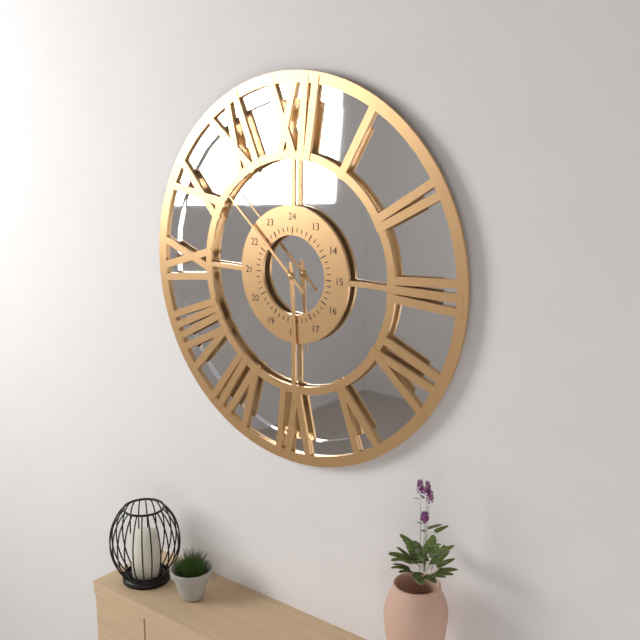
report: 5h52
